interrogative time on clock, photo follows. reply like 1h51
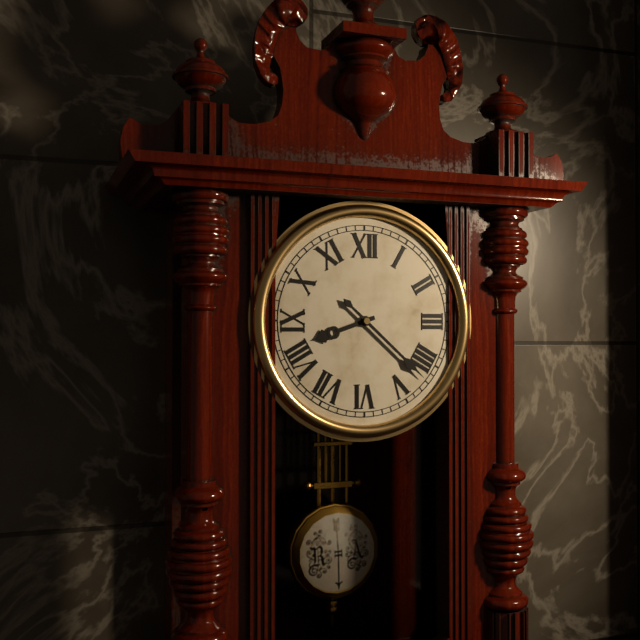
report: 8h22
